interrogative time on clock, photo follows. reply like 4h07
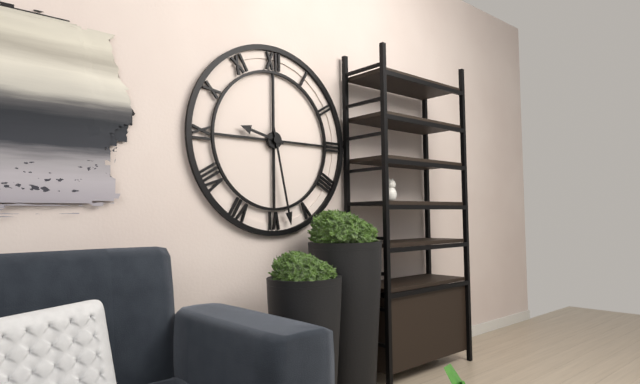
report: 9h28
